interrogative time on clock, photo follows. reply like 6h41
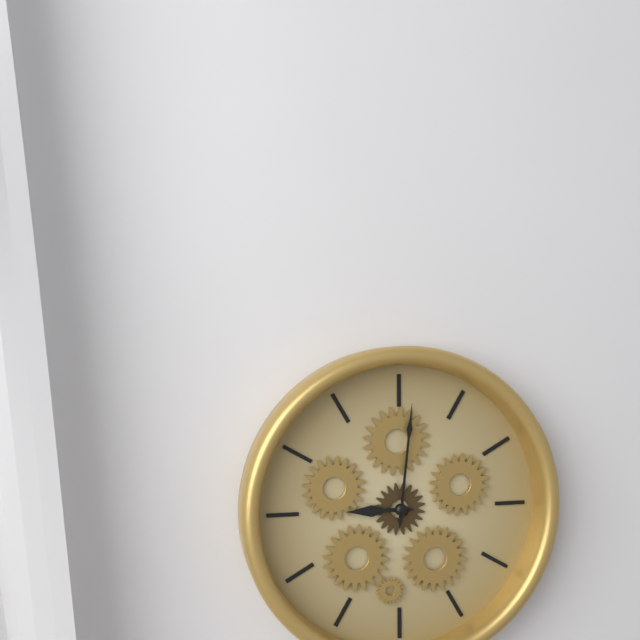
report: 9h01
